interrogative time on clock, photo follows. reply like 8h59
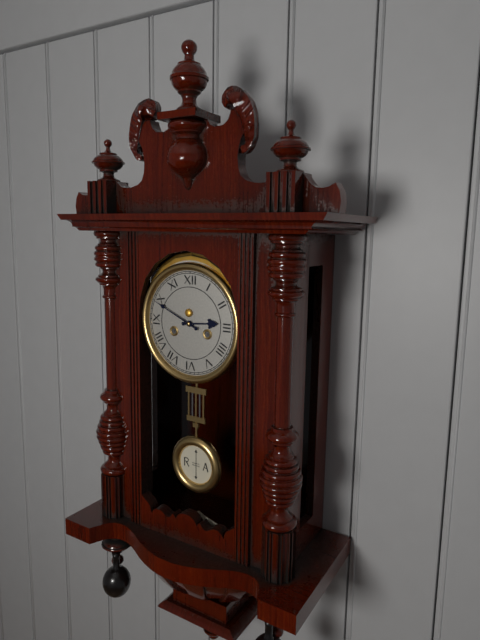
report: 2h49
